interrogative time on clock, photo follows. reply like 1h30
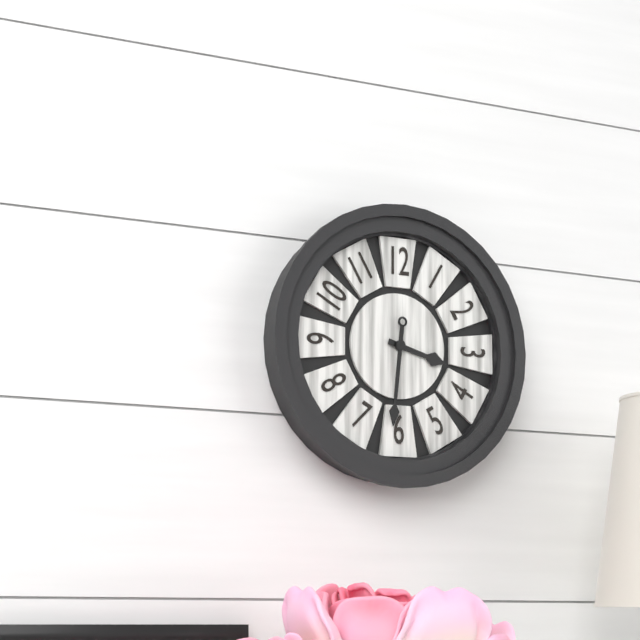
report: 3h31
